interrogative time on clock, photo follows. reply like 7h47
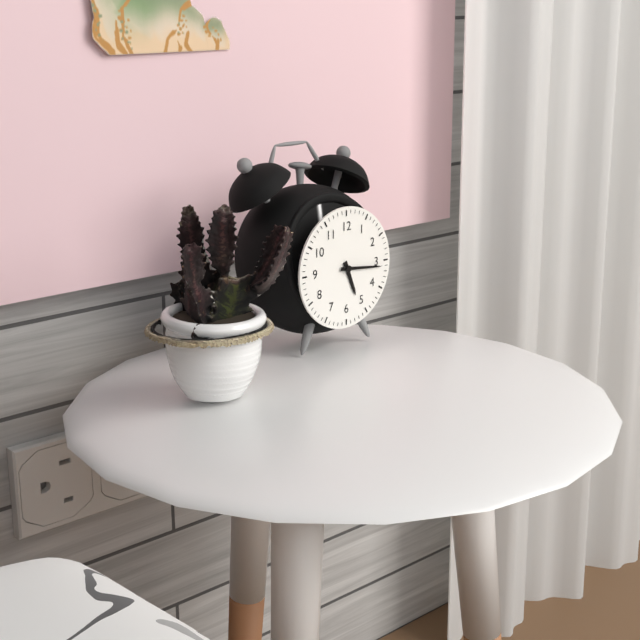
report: 5h16
